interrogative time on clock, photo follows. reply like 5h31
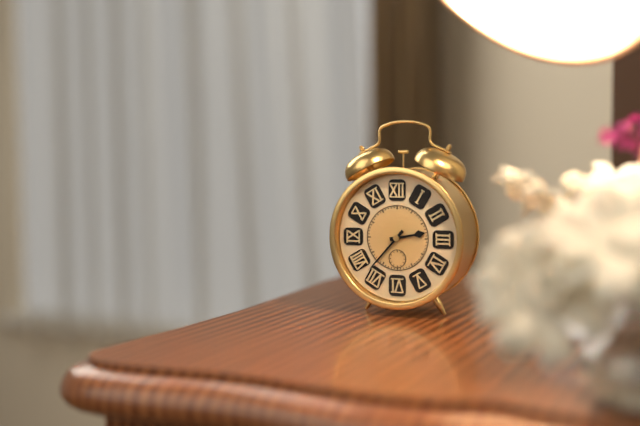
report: 2h37
